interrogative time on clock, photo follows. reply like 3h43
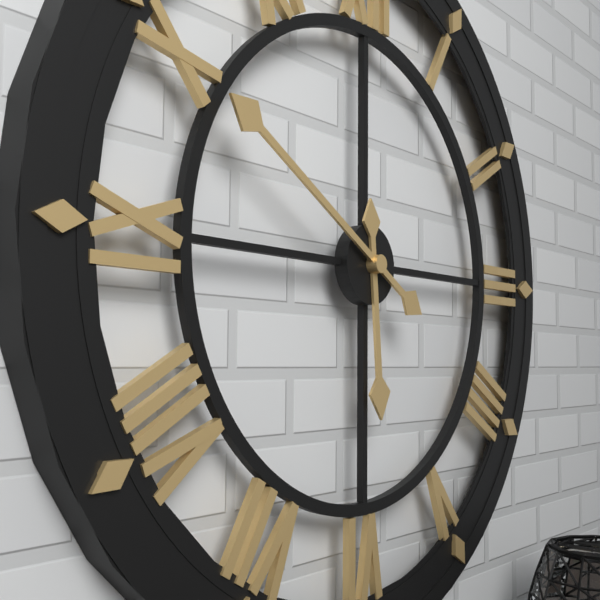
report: 5h50
